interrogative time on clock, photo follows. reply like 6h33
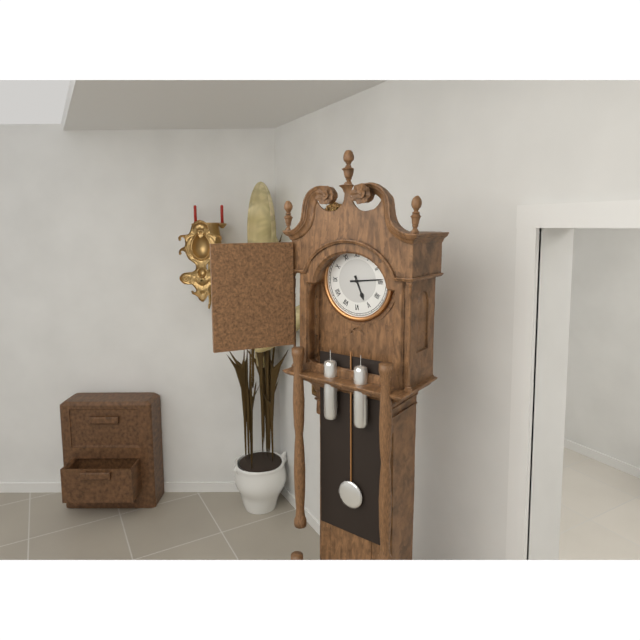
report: 5h14
